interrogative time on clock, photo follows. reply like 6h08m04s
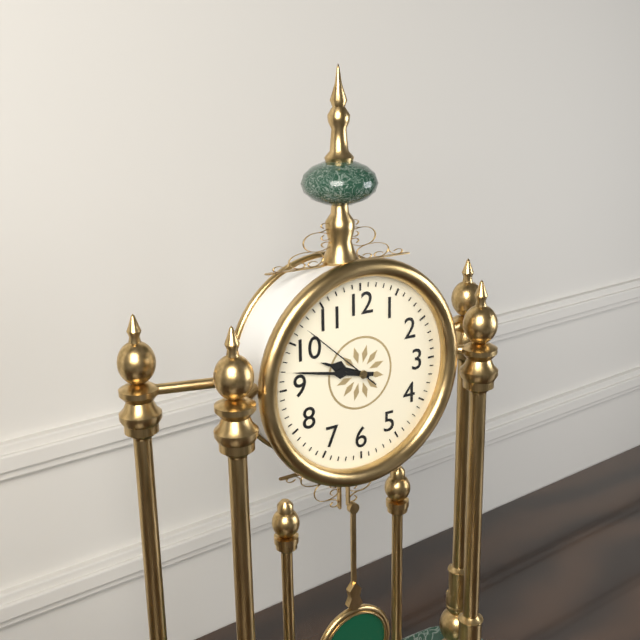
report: 9h47m52s
